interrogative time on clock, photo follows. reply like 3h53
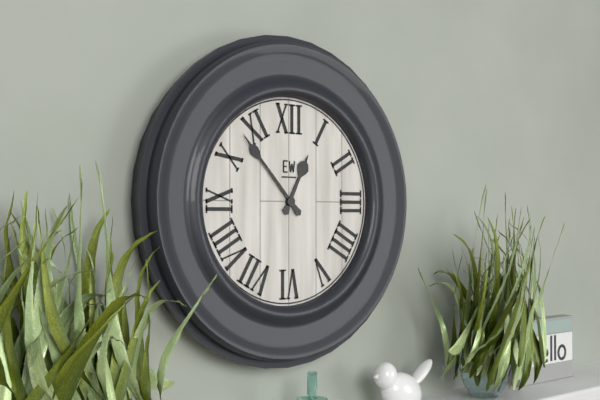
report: 12h53
